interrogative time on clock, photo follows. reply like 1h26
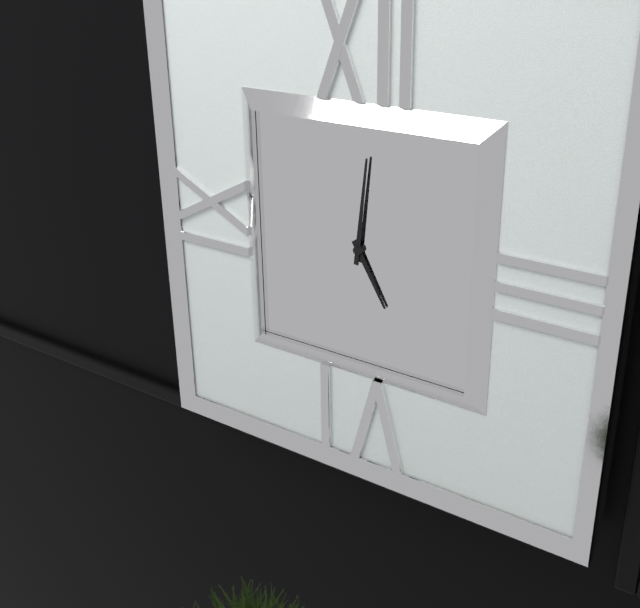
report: 5h01
